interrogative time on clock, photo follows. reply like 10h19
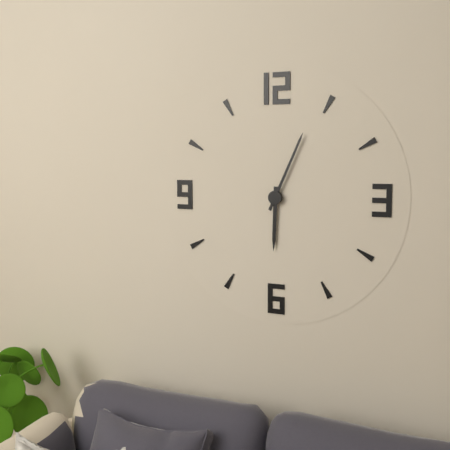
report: 6h04
